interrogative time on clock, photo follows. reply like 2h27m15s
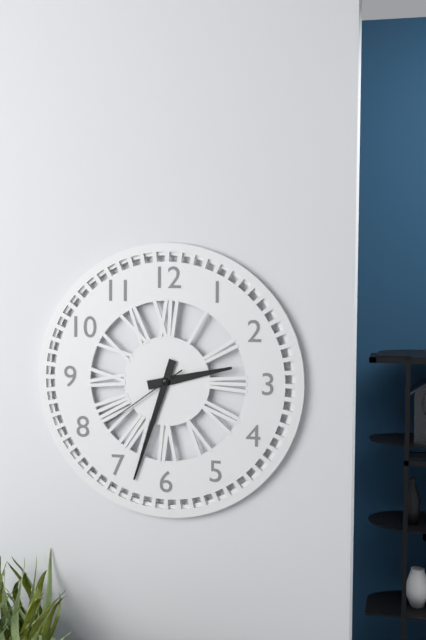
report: 2h33m39s
